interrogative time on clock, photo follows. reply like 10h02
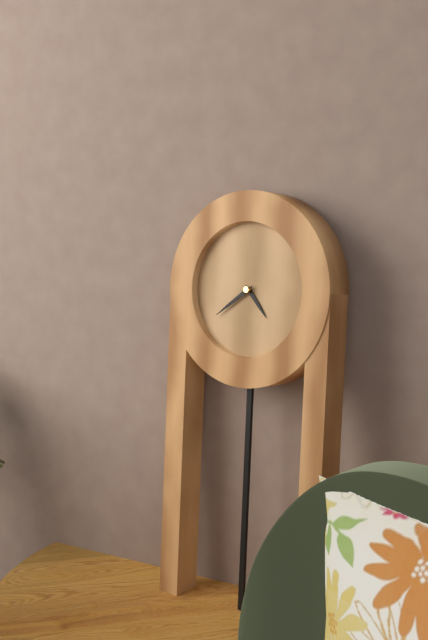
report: 4h39
